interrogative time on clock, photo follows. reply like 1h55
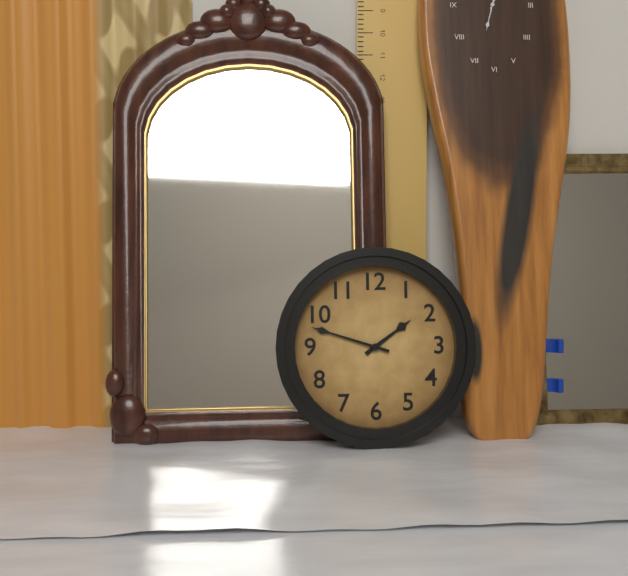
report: 1h48
